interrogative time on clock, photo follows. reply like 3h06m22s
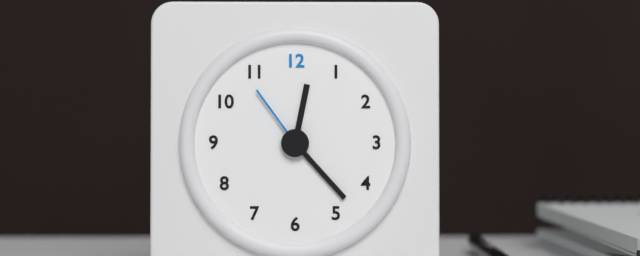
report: 12h23m54s
